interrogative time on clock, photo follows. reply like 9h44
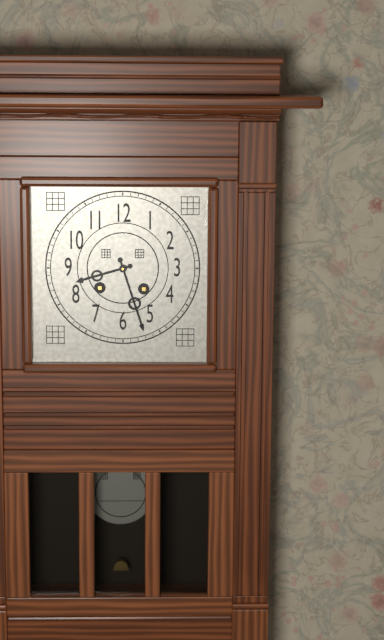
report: 8h27
